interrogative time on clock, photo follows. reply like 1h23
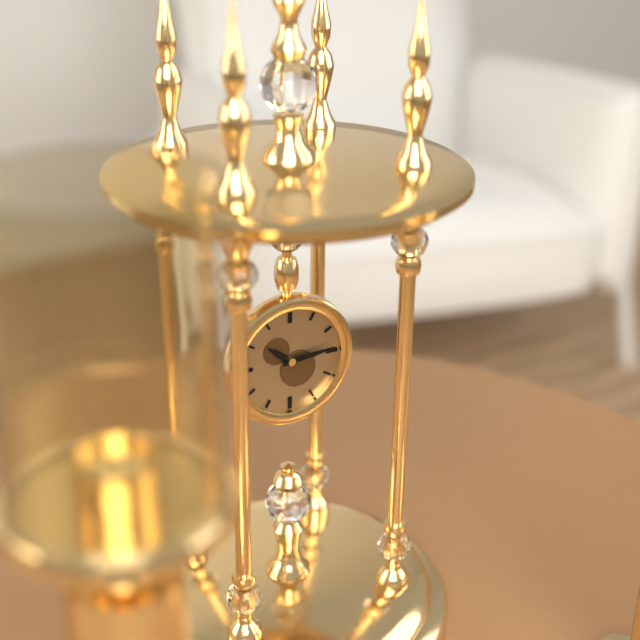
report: 10h14
